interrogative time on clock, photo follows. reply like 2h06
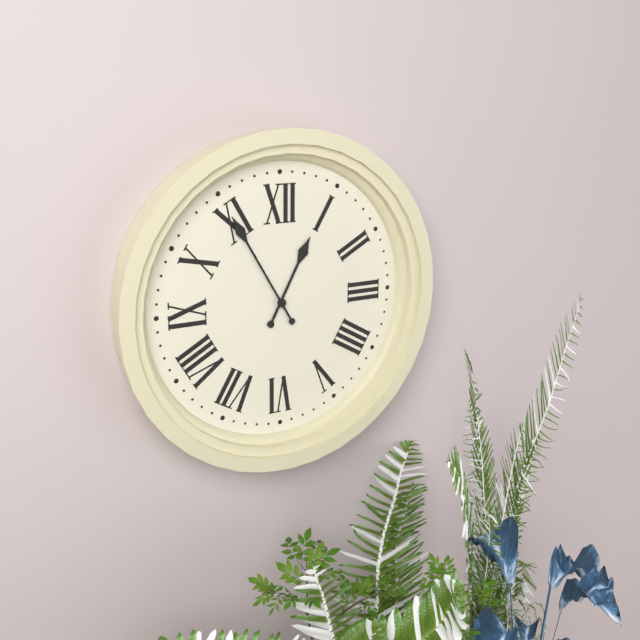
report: 12h55
